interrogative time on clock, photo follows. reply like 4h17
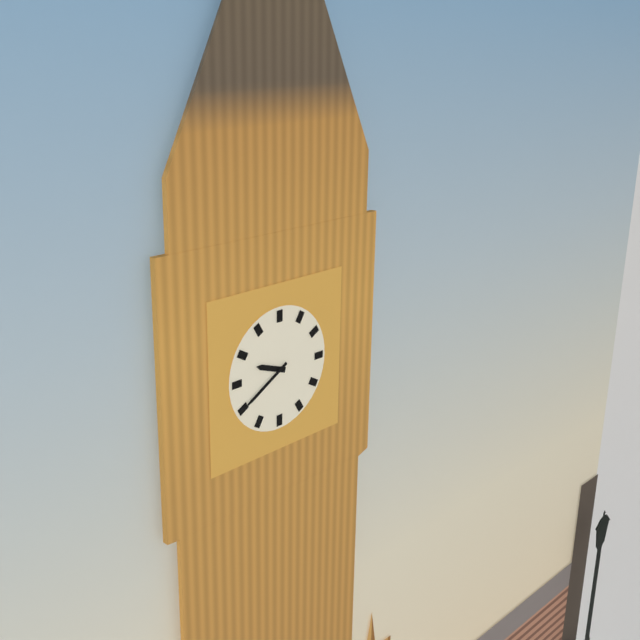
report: 9h40
